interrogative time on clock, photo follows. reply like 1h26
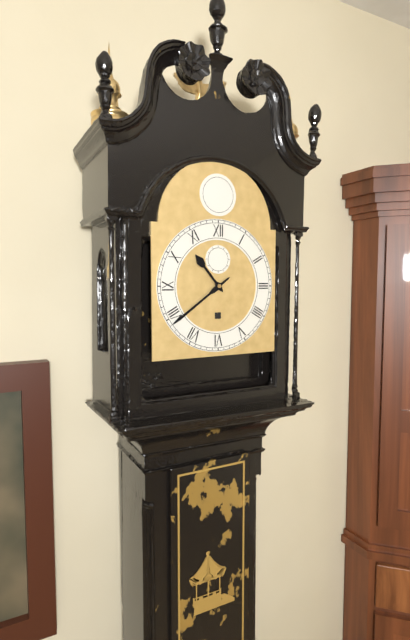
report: 10h39
